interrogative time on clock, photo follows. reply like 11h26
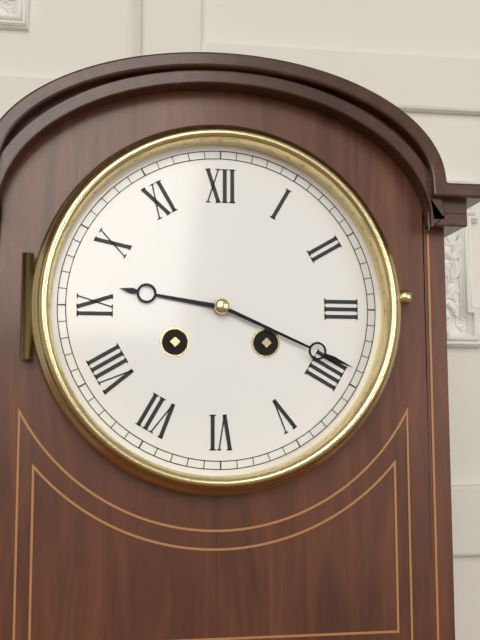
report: 9h19
